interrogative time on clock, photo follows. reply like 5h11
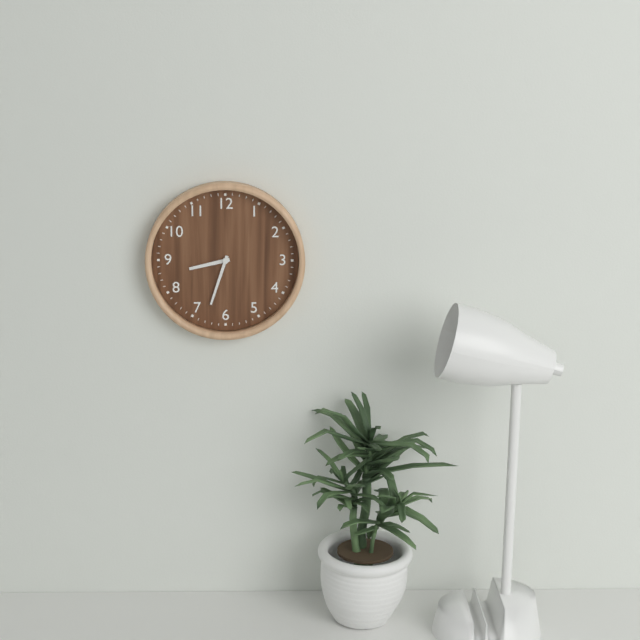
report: 8h33
